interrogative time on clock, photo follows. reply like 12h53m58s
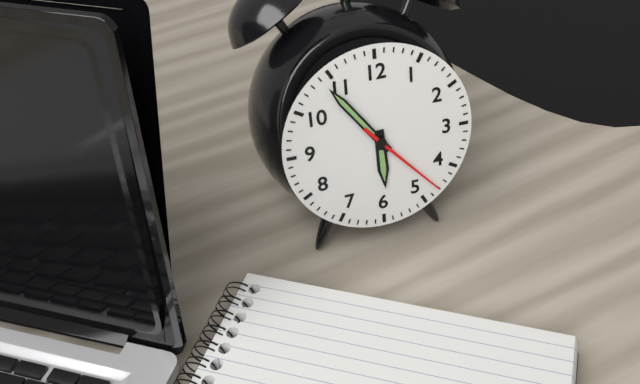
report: 5h54m23s
